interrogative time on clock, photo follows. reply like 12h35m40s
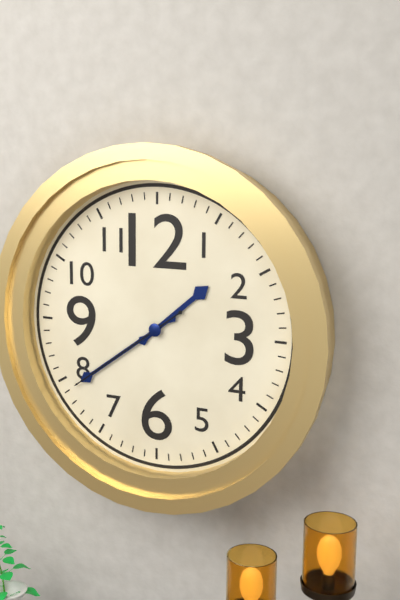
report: 1h39m39s
